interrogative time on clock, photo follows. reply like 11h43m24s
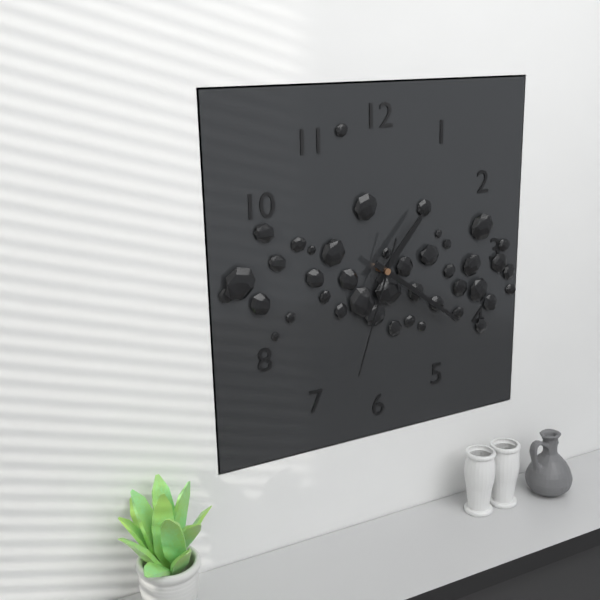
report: 1h21m33s
